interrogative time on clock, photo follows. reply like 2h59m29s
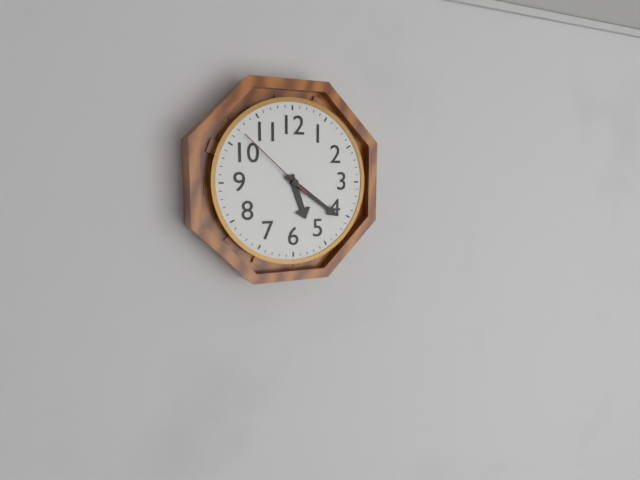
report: 5h21m52s
